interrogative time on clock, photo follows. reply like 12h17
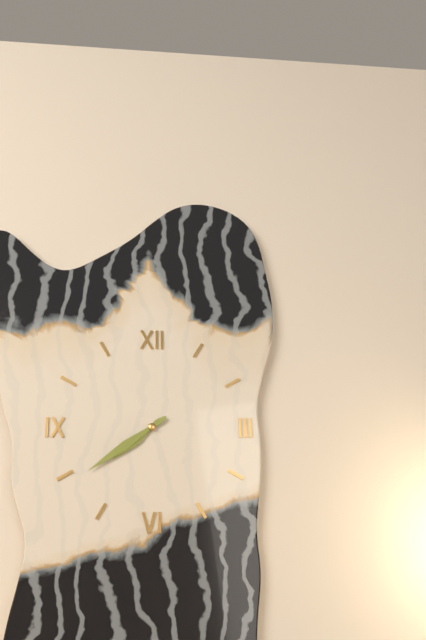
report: 7h39
